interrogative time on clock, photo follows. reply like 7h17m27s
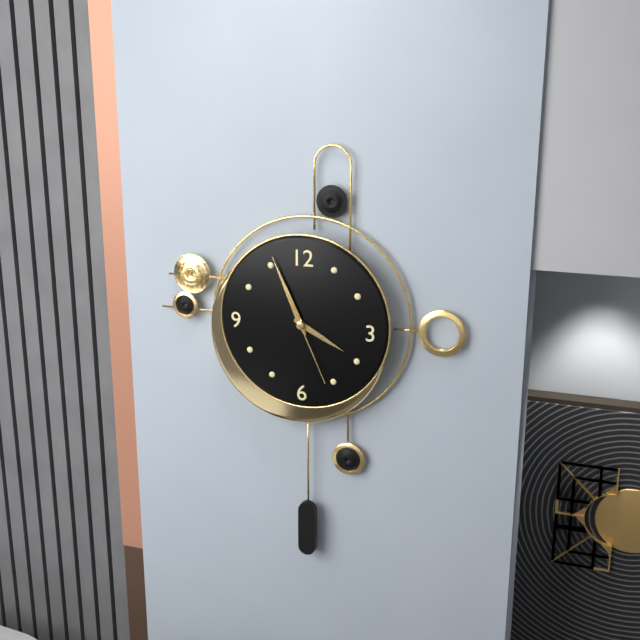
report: 3h56m26s
